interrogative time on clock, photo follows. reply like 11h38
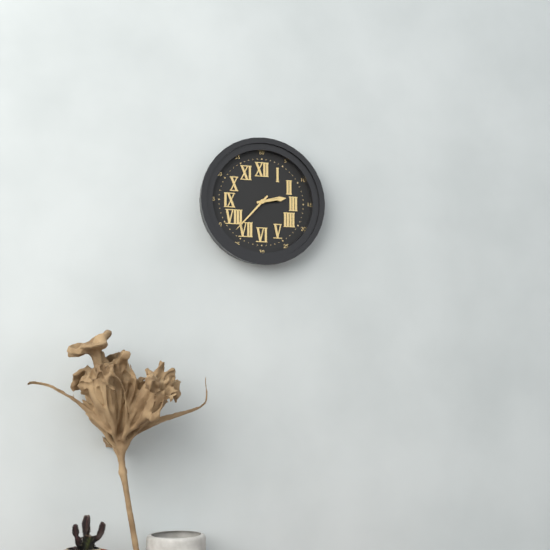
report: 2h37
